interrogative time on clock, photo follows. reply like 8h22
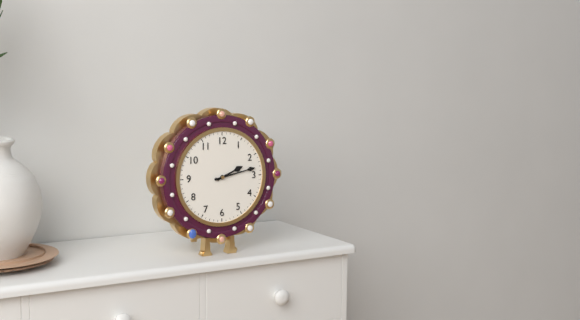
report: 2h13
